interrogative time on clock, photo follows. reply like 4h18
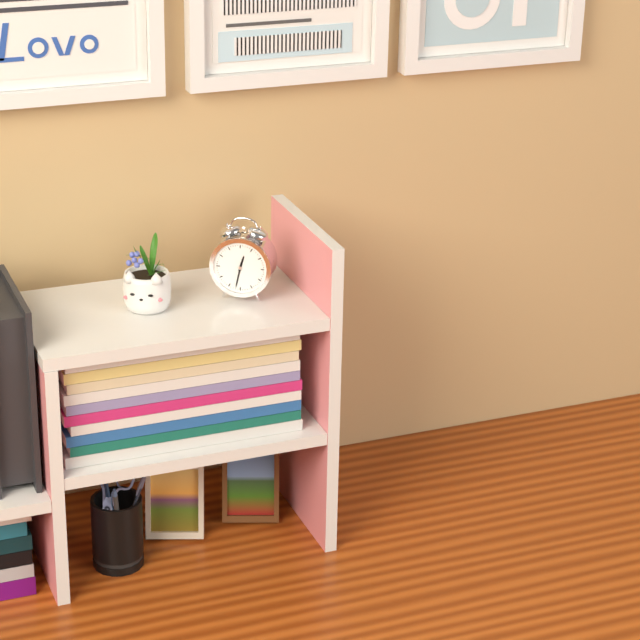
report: 12h32
